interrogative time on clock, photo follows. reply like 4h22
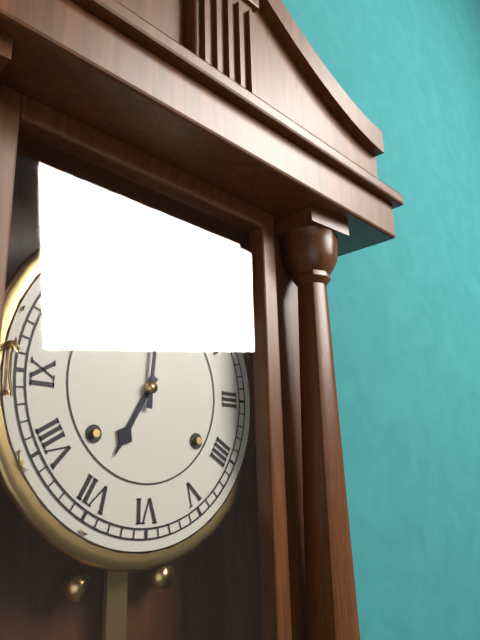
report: 7h01
